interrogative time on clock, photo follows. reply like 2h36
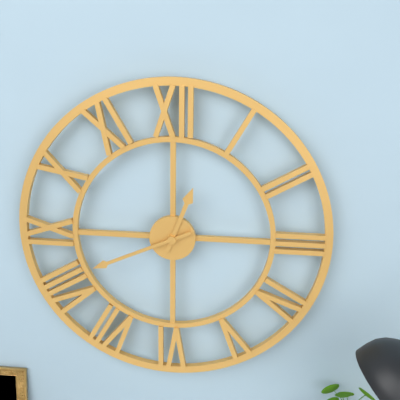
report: 12h41
